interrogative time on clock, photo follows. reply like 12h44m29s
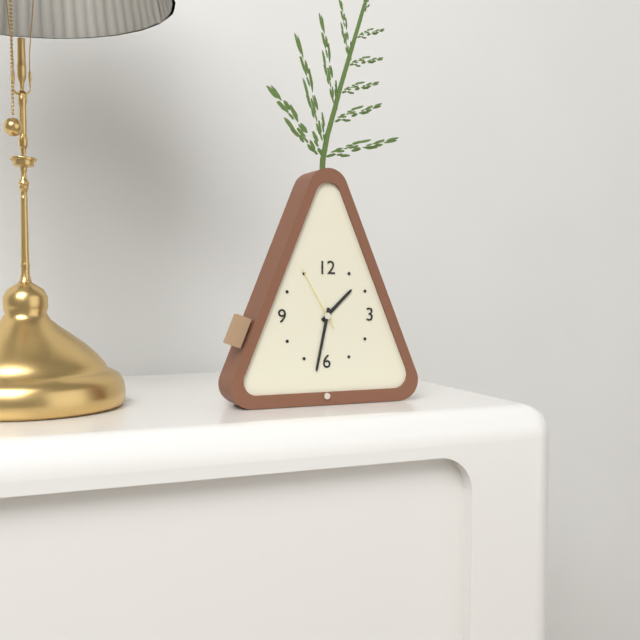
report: 1h32m55s
